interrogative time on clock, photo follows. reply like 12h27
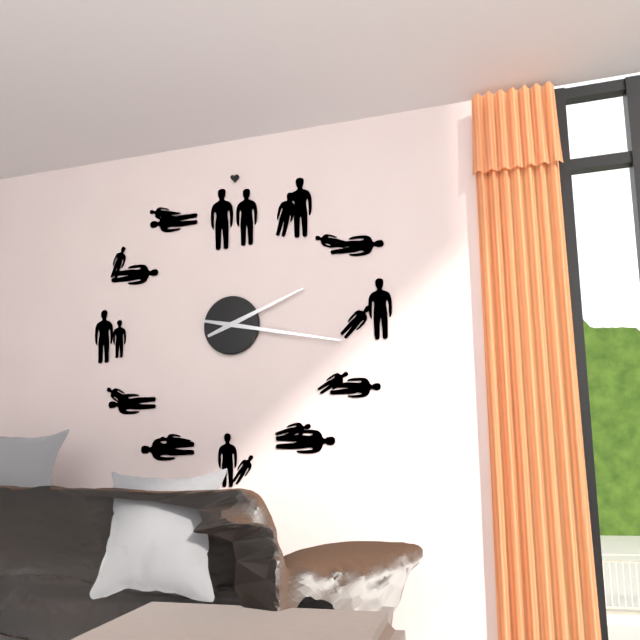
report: 2h17
